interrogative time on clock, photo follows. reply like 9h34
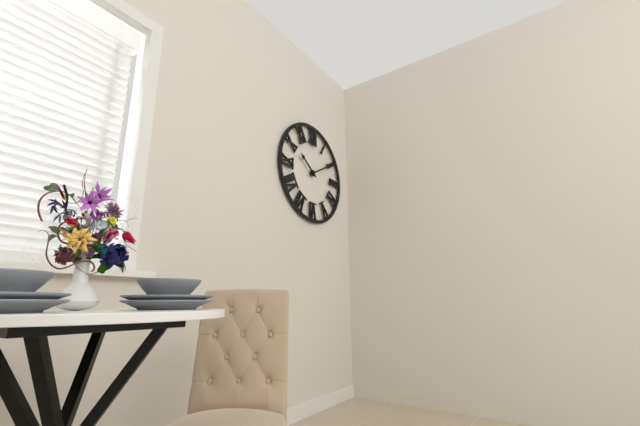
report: 10h10
